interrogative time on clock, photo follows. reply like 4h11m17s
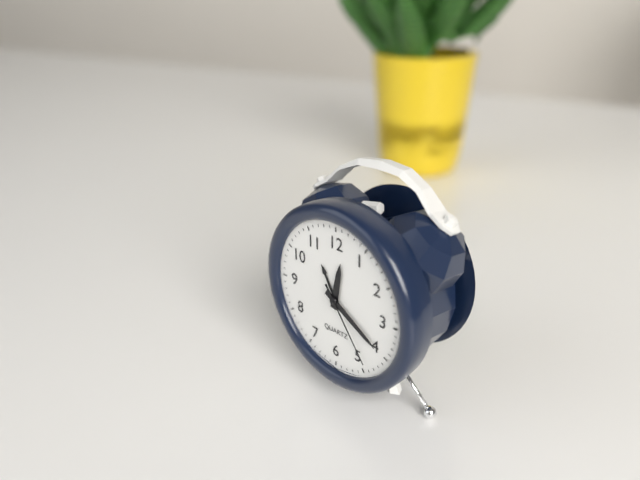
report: 12h20m24s
